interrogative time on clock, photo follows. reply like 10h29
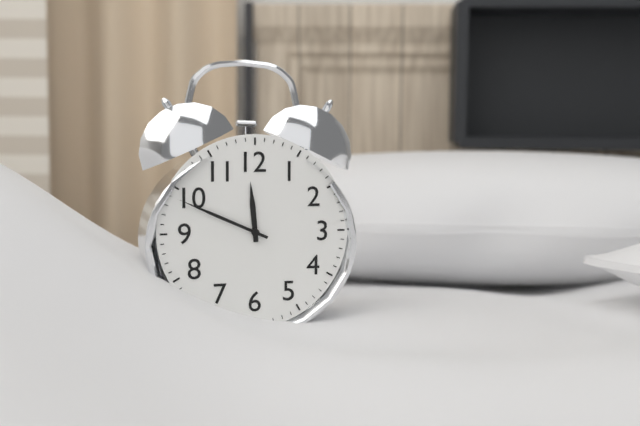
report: 11h49
